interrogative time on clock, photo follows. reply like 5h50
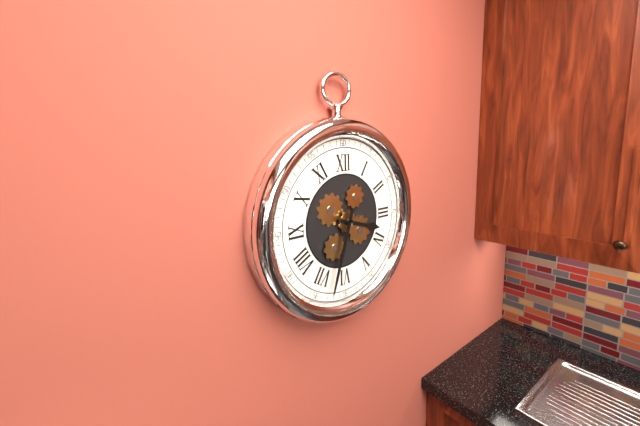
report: 3h33
